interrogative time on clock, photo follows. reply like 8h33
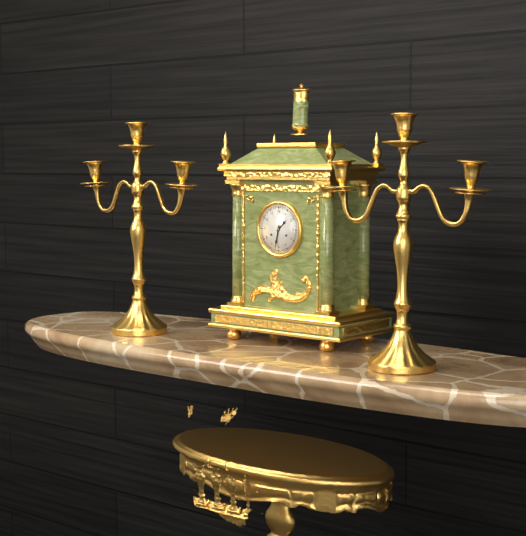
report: 1h32
